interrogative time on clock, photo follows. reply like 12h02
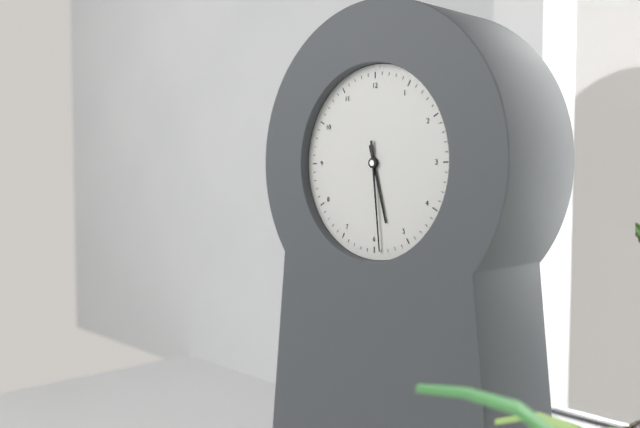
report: 5h29
